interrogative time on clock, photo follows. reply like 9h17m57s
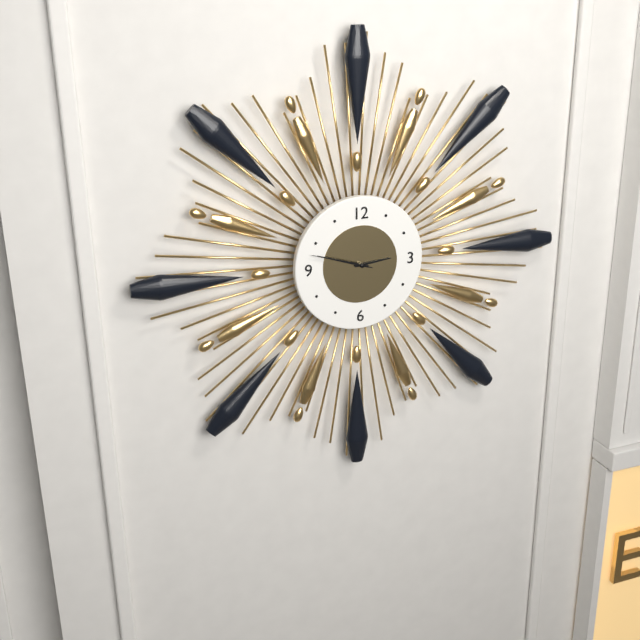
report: 2h48m48s
